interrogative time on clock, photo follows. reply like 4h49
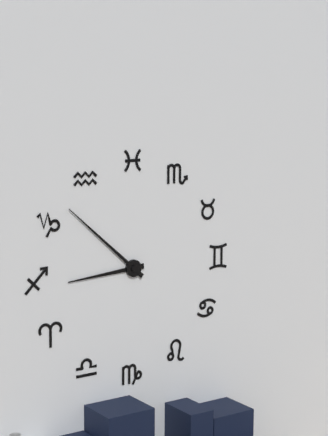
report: 8h52
